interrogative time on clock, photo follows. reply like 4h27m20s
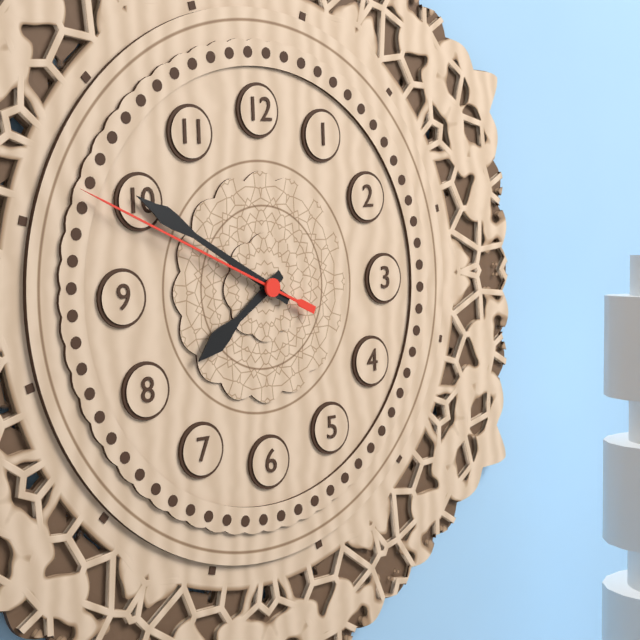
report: 7h50m49s
